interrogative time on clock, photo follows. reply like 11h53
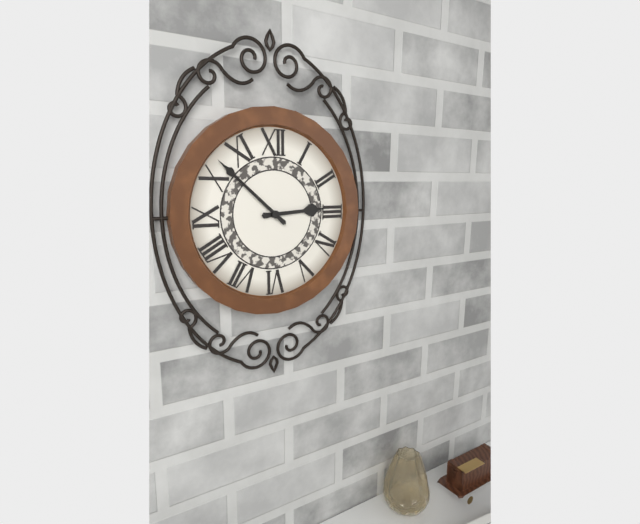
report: 2h52
